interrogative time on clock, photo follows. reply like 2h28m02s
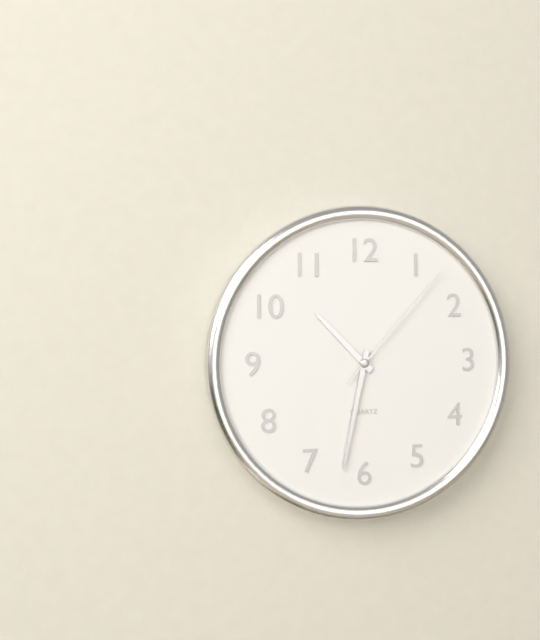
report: 10h32m07s
